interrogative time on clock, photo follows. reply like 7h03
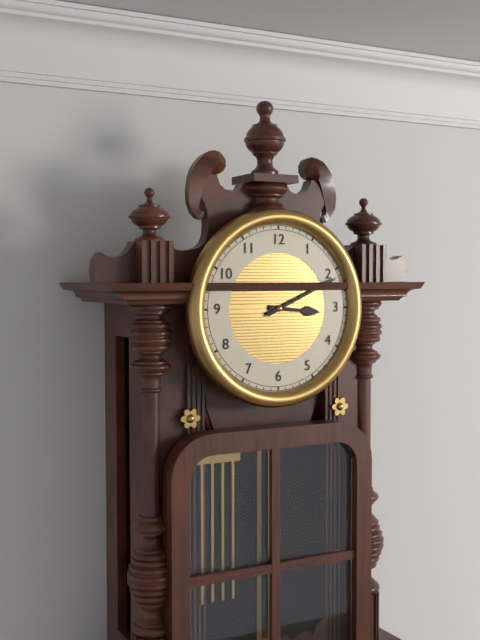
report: 3h11
